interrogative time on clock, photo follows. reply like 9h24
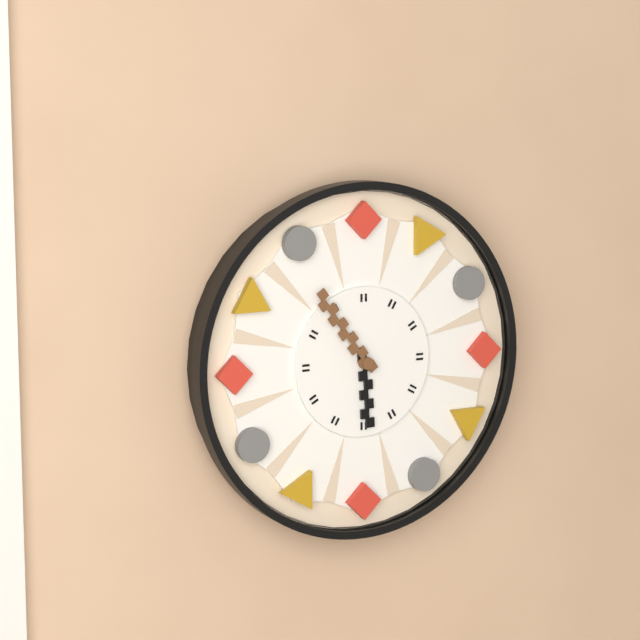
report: 5h54
